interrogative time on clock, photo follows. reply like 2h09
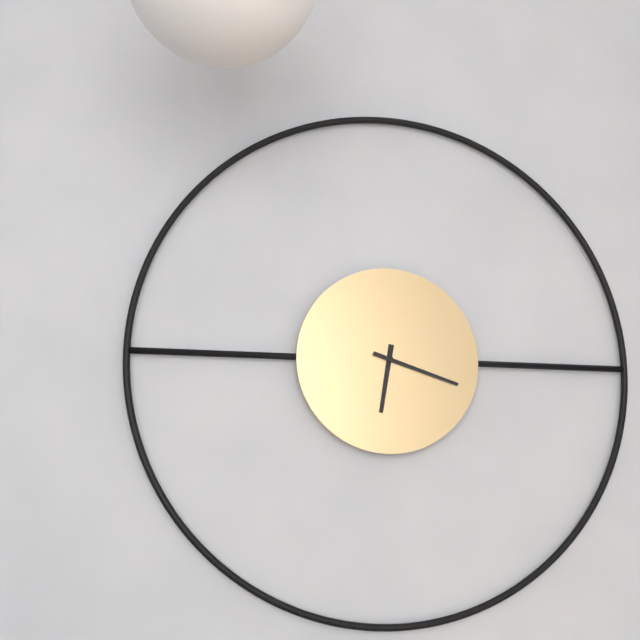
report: 6h18
